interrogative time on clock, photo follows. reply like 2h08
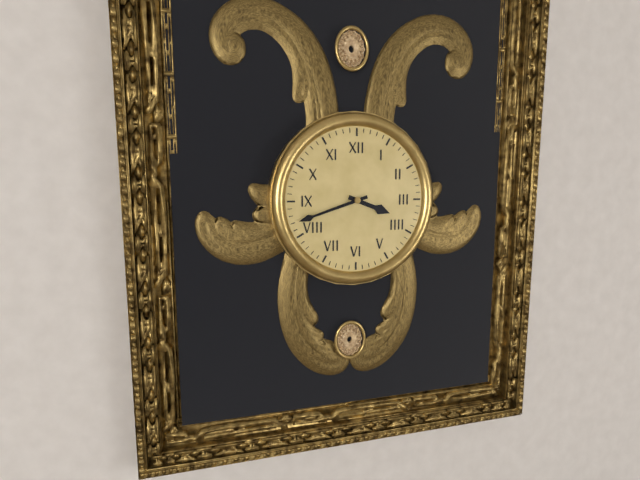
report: 3h42
